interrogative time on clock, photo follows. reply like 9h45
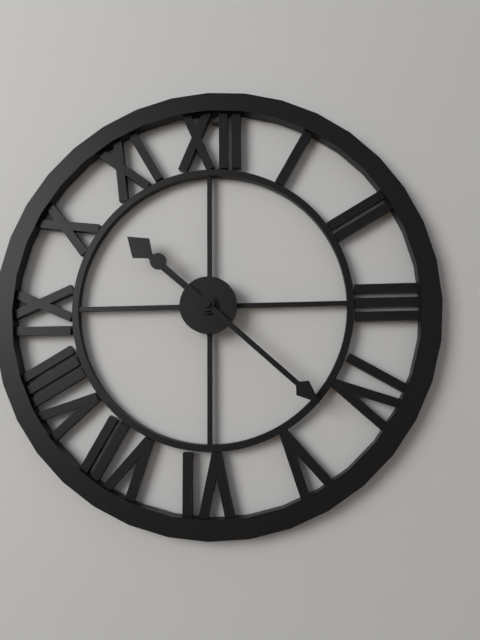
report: 10h22
